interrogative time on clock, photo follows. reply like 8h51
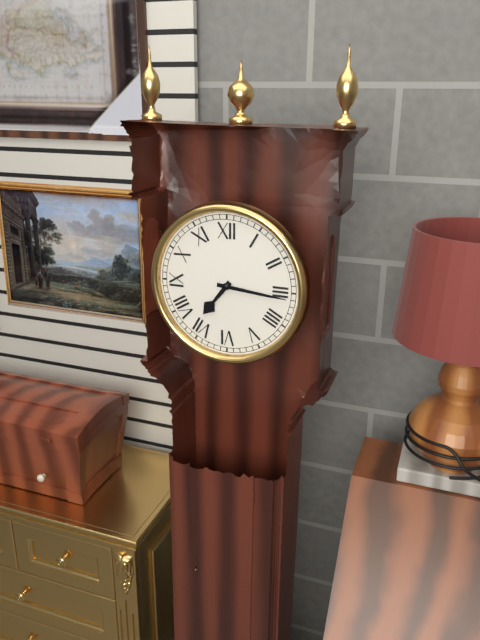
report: 7h16
